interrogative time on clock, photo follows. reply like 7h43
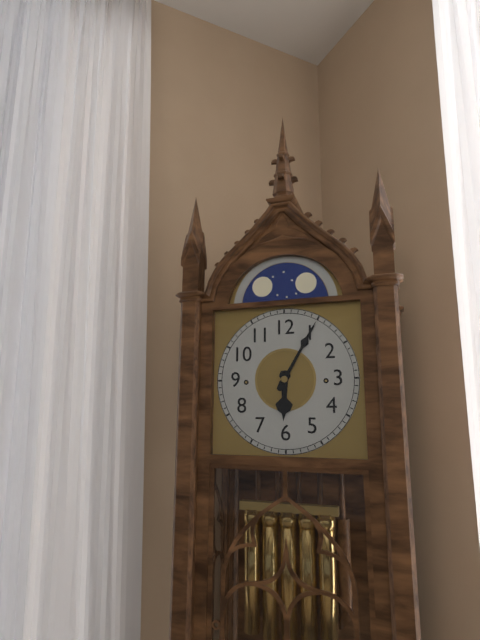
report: 6h05
